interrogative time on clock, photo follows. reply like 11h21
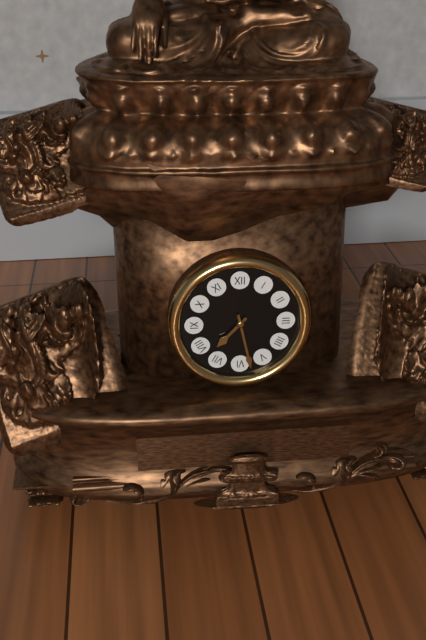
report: 7h28
